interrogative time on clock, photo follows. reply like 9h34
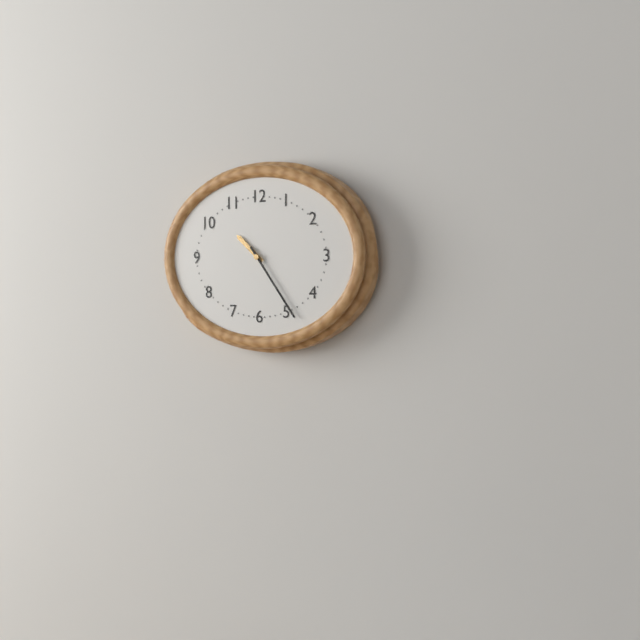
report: 10h24
